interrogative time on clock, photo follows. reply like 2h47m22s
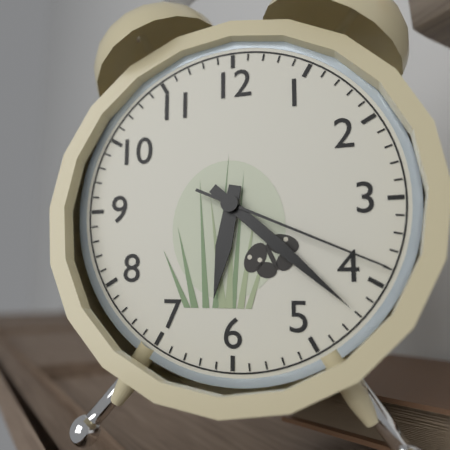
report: 6h22m19s
